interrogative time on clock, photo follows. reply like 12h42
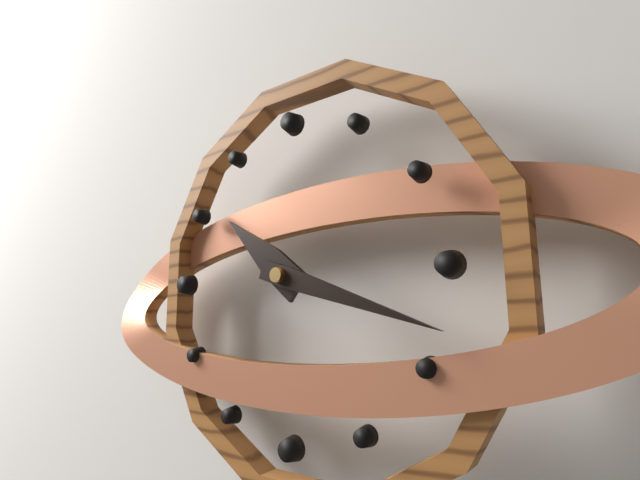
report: 10h18
